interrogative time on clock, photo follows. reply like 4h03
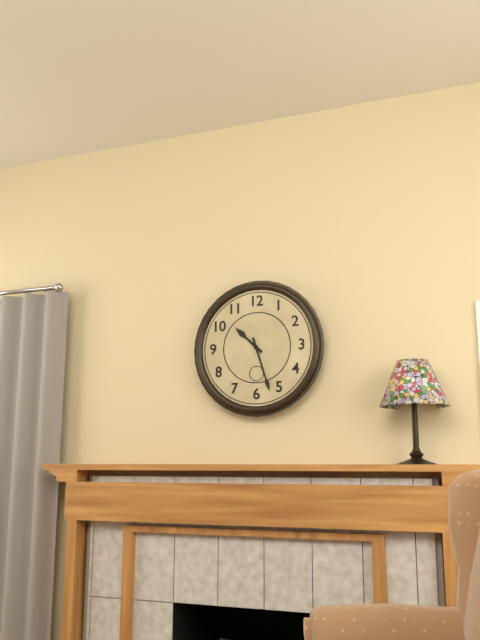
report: 10h27
